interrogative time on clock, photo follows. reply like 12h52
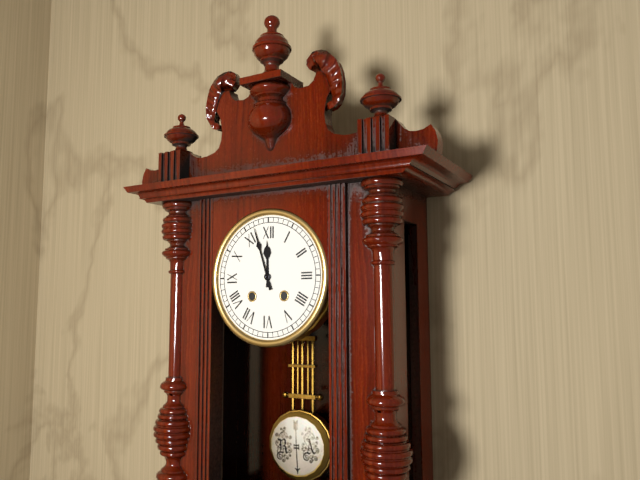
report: 11h57
